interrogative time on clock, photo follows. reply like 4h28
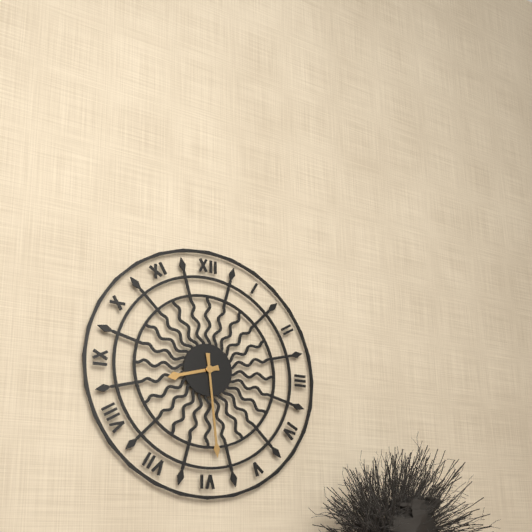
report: 8h29
